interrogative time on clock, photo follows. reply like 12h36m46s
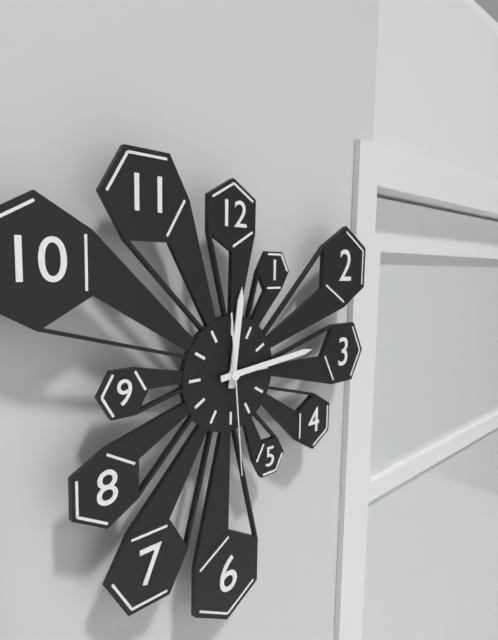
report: 12h14m29s
